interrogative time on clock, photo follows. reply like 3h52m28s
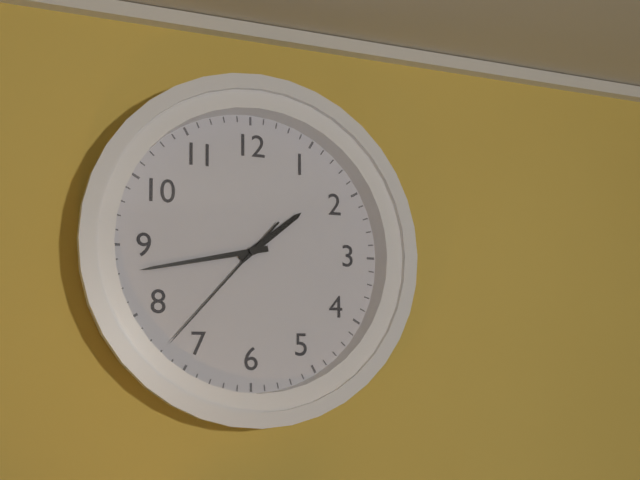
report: 1h43m37s
